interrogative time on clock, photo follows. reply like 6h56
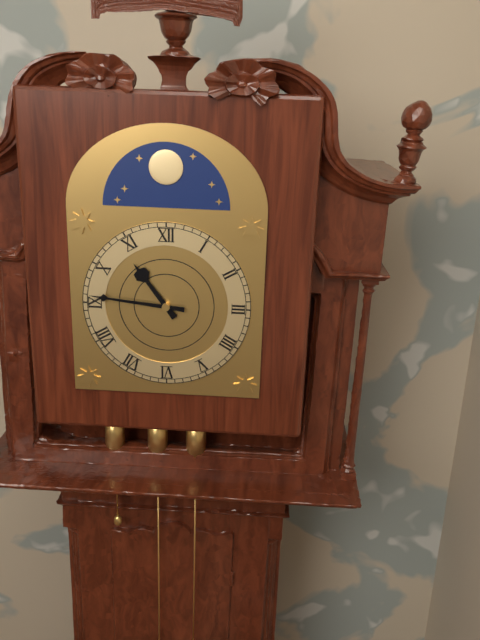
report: 10h46
